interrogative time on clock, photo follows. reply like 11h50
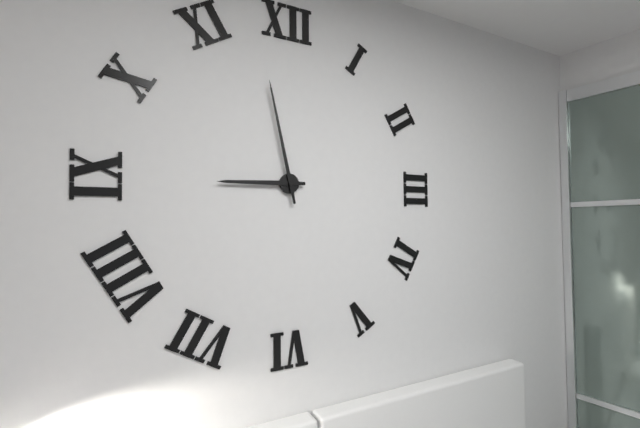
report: 8h58
